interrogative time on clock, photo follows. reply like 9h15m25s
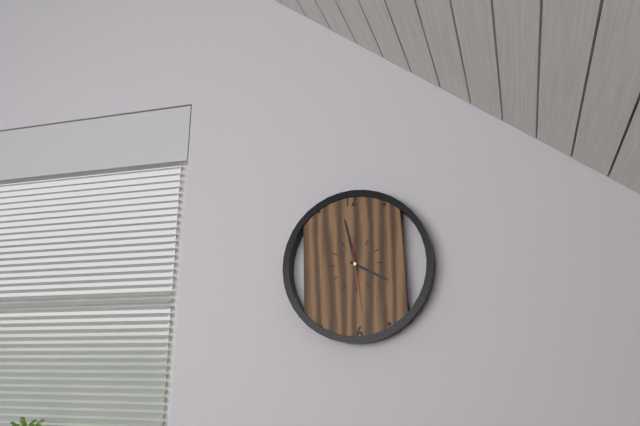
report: 3h58m29s
